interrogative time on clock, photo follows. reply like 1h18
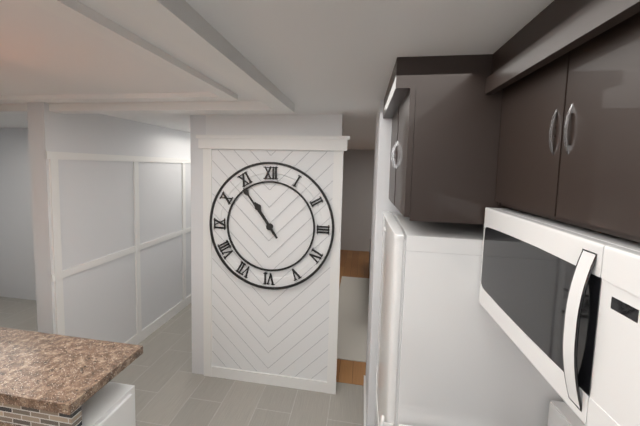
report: 10h54
